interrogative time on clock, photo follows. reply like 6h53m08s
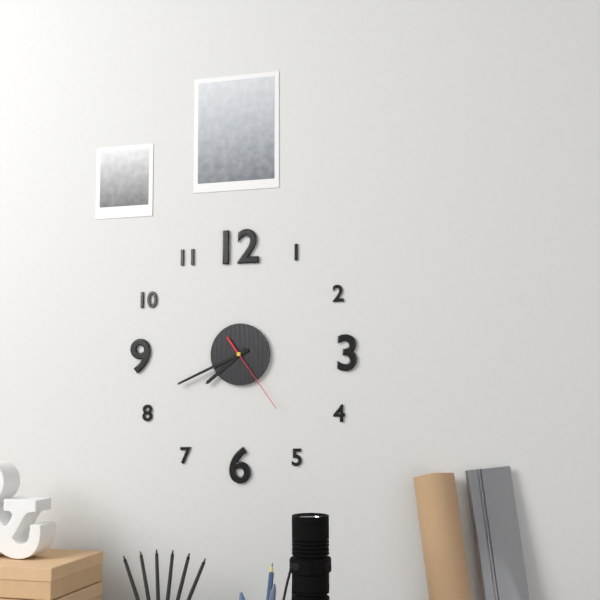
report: 7h41m24s
